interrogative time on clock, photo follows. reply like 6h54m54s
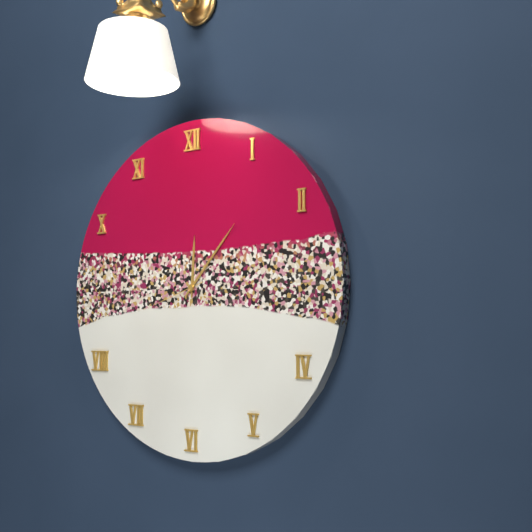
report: 12h07m42s
